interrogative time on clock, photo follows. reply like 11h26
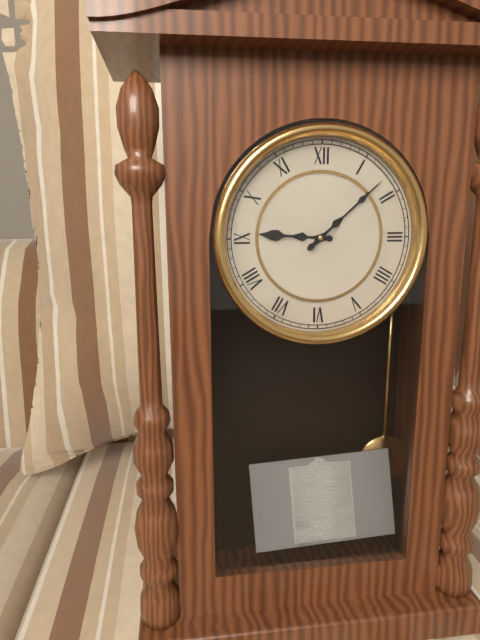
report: 9h08
